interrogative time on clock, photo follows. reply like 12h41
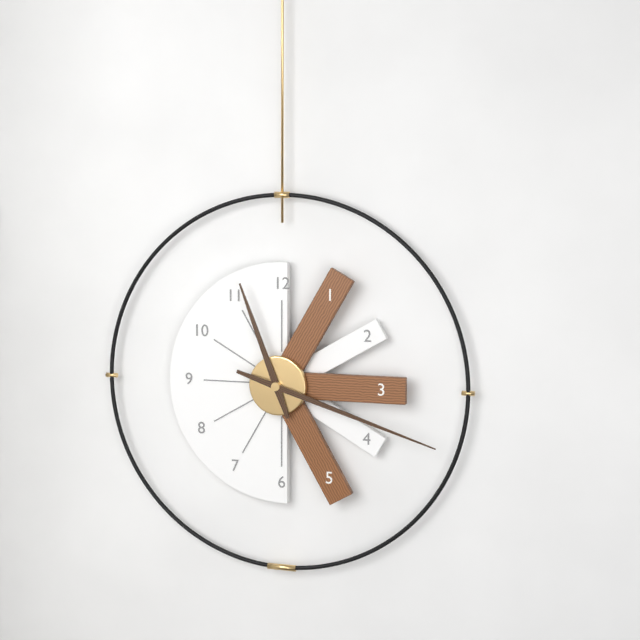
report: 11h18
